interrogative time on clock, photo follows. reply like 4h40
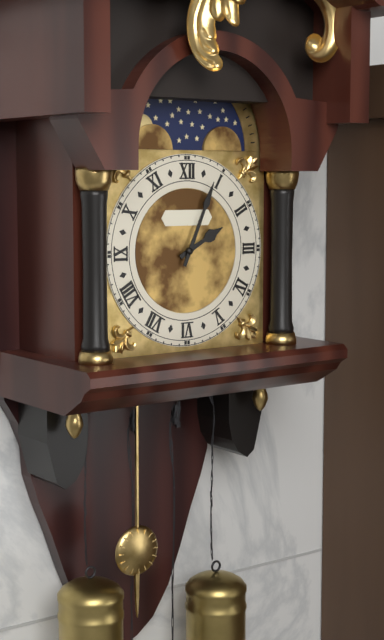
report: 2h04
